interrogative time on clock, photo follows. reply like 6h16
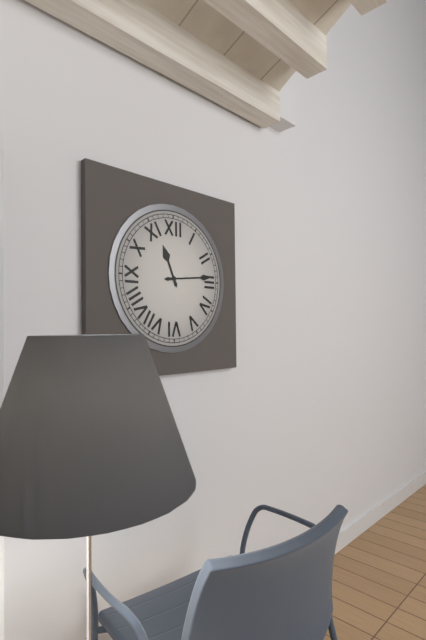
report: 11h14
